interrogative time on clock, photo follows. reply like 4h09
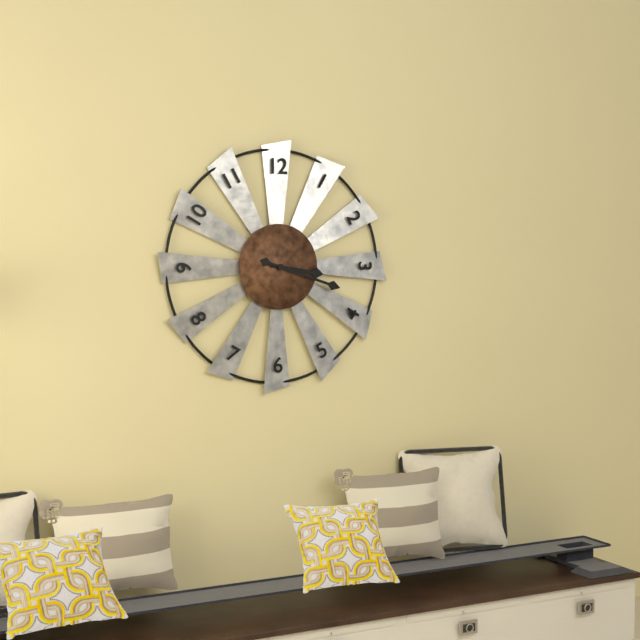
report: 3h18
